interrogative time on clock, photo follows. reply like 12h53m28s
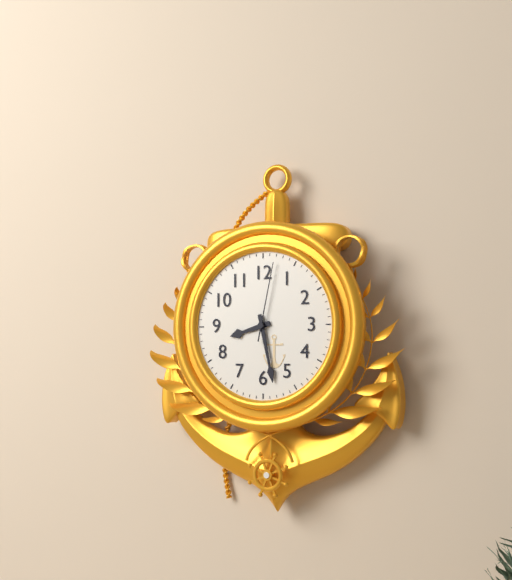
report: 8h28m02s
